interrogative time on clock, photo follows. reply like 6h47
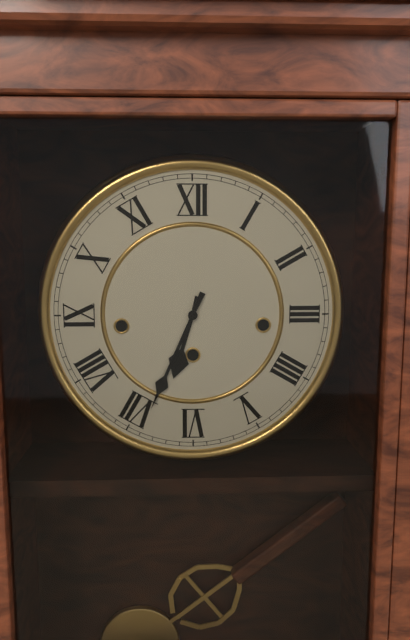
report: 6h34
